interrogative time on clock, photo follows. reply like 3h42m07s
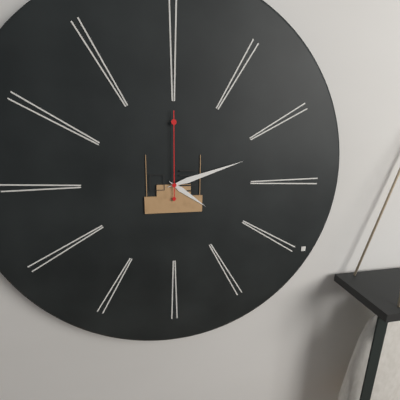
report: 4h12m00s
